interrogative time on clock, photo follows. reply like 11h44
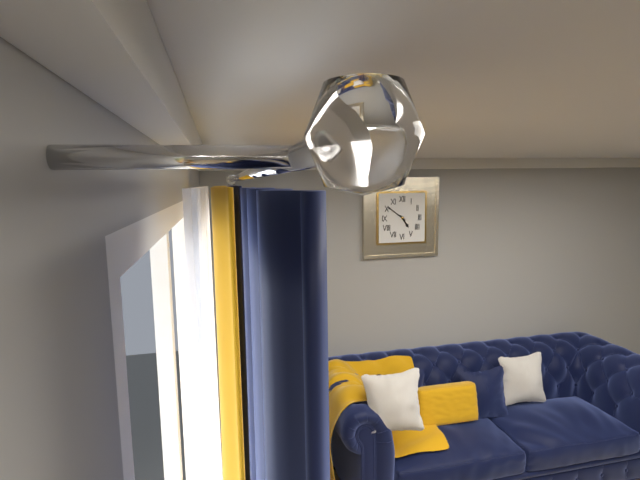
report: 4h51
